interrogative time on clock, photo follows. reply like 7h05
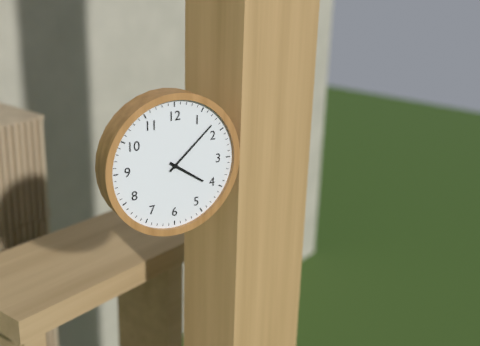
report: 4h08
